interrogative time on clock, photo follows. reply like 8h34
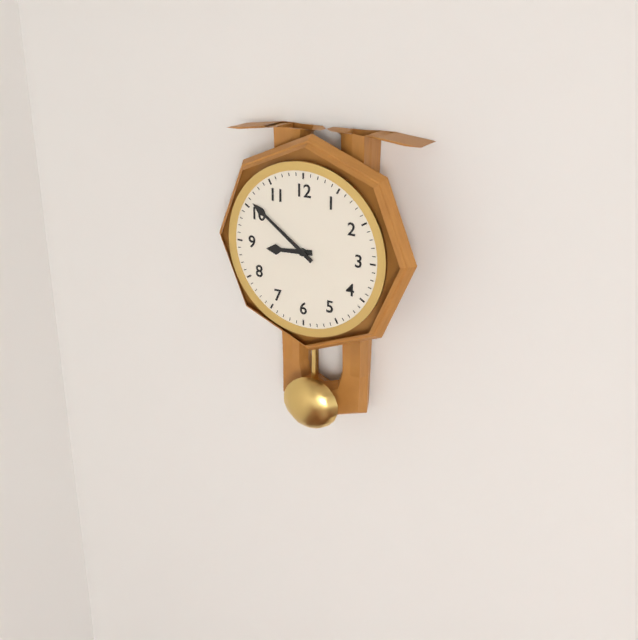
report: 8h51
